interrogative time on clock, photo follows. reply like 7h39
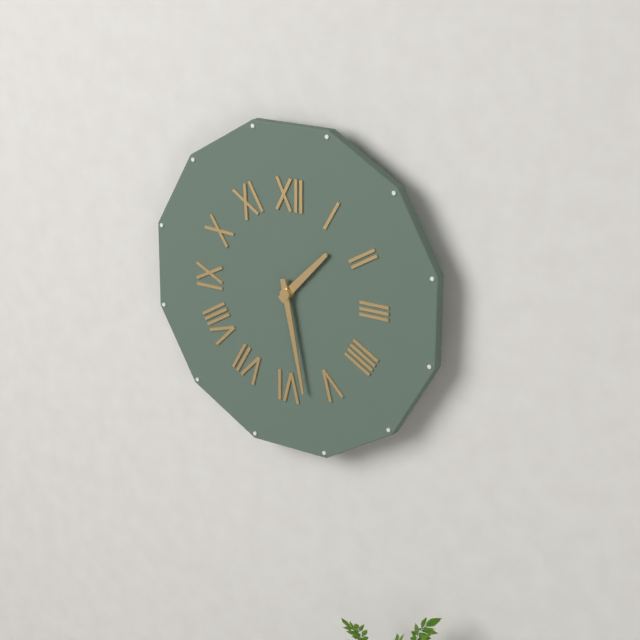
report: 1h28
